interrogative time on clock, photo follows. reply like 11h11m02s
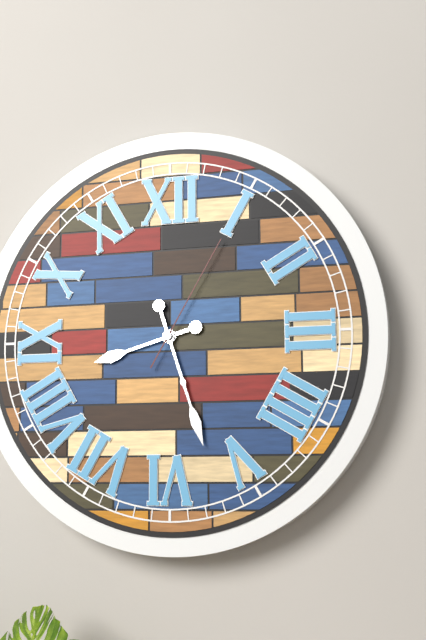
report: 8h27m05s
